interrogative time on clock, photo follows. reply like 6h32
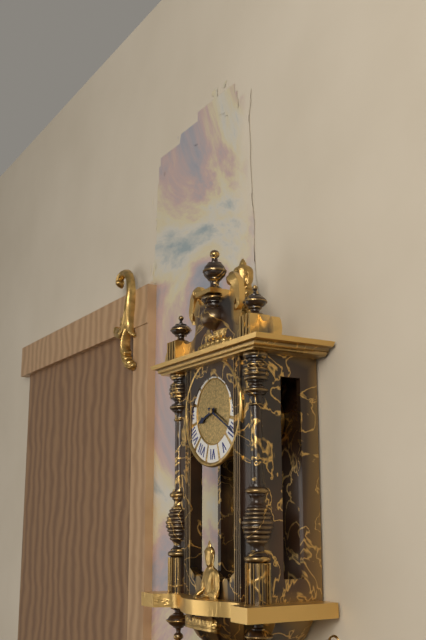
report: 8h20
